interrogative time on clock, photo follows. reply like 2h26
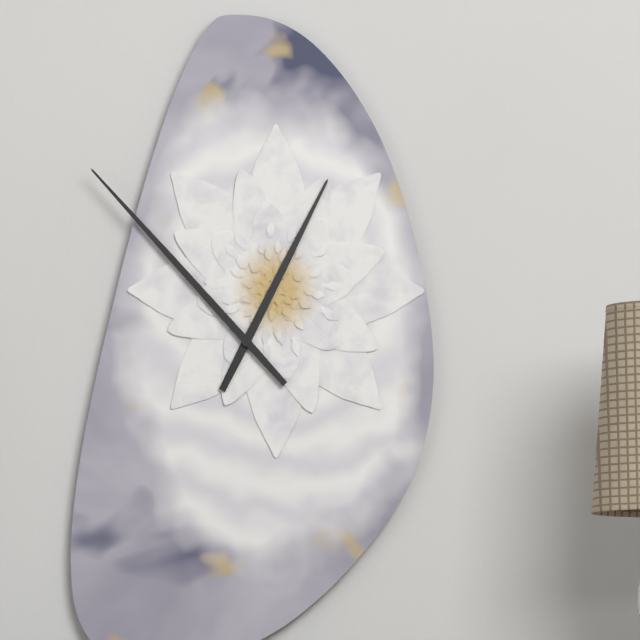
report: 12h53
